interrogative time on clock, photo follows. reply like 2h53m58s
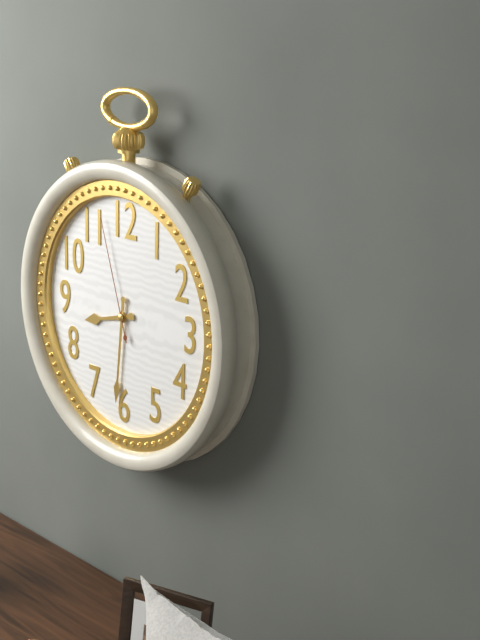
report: 8h31m57s
